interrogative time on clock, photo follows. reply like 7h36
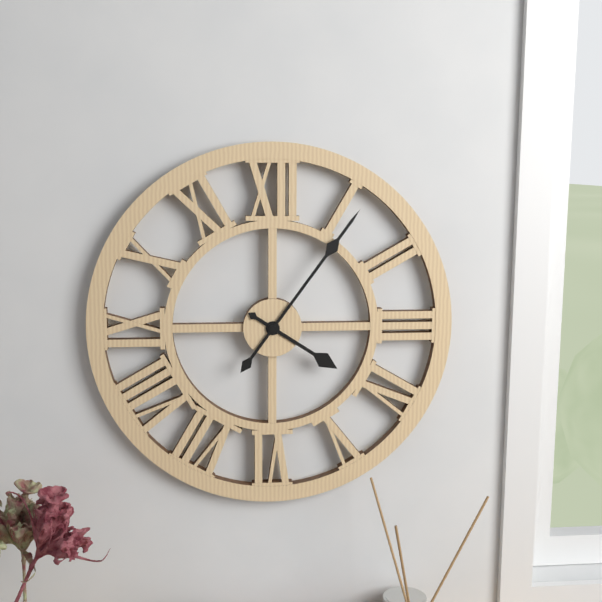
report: 4h06
